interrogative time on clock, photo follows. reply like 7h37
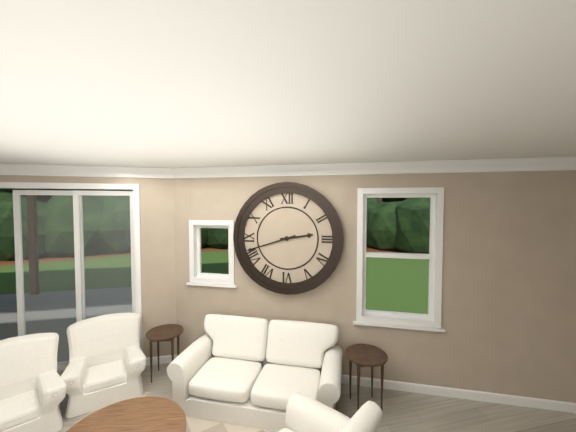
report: 2h42
